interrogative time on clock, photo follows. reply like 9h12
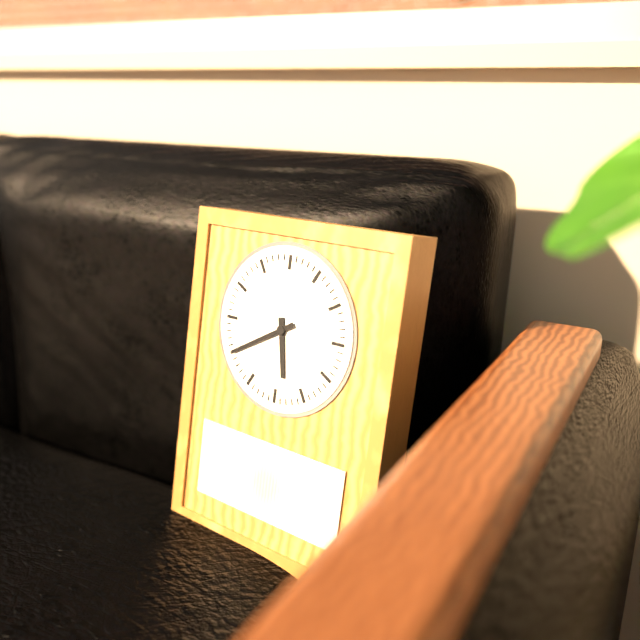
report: 5h40
